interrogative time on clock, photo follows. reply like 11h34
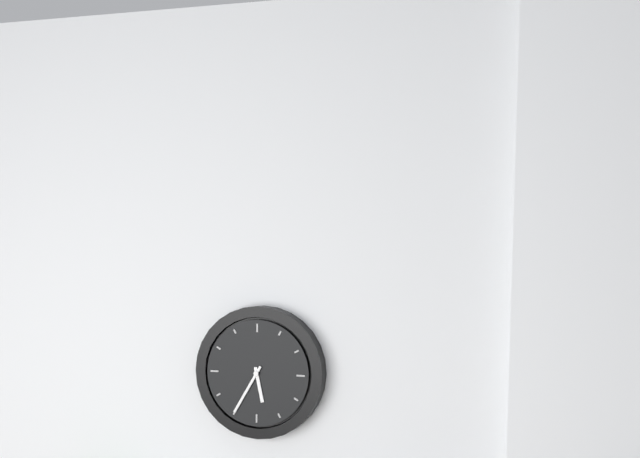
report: 5h35
